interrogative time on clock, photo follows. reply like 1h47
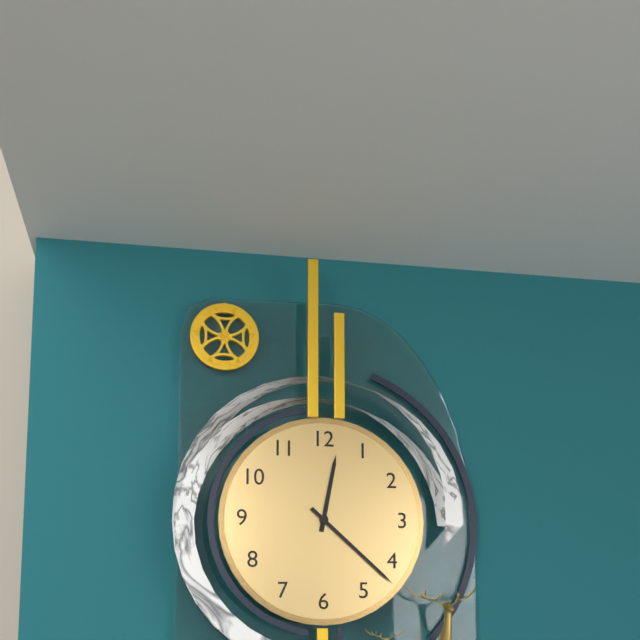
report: 12h22
